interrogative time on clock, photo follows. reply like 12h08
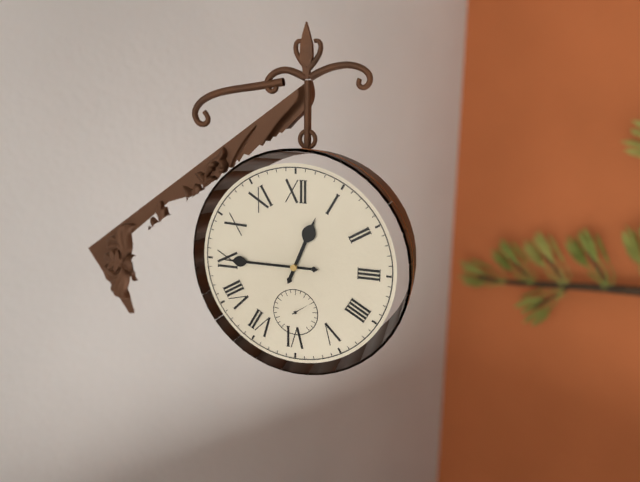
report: 12h45
